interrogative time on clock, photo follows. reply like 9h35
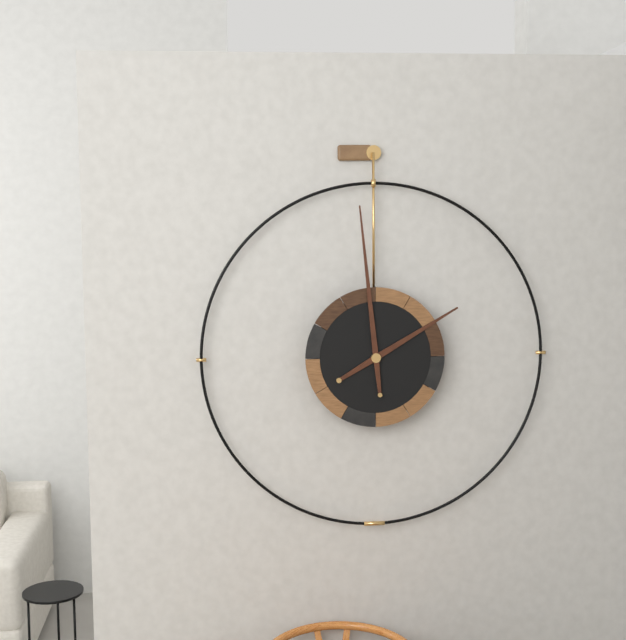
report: 1h59
